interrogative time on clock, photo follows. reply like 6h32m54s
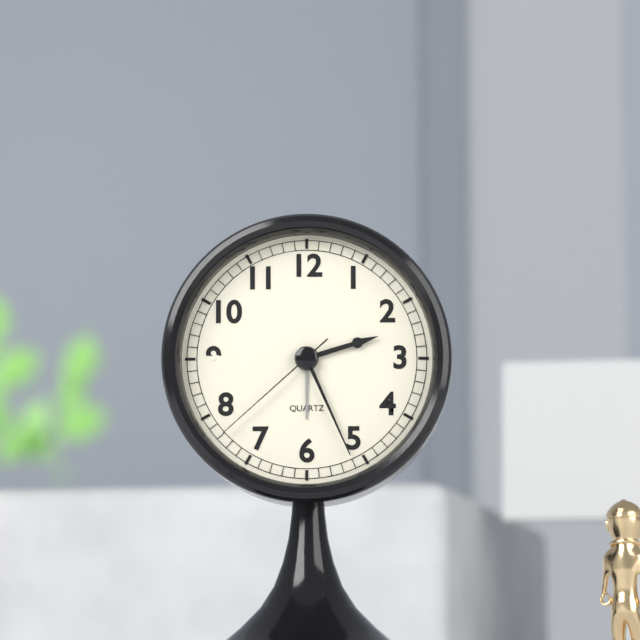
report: 2h26m38s
